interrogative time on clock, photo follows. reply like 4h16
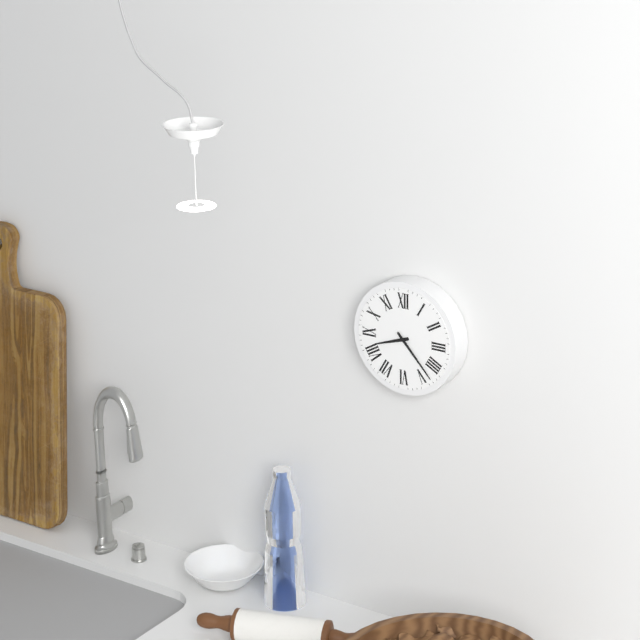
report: 8h23
